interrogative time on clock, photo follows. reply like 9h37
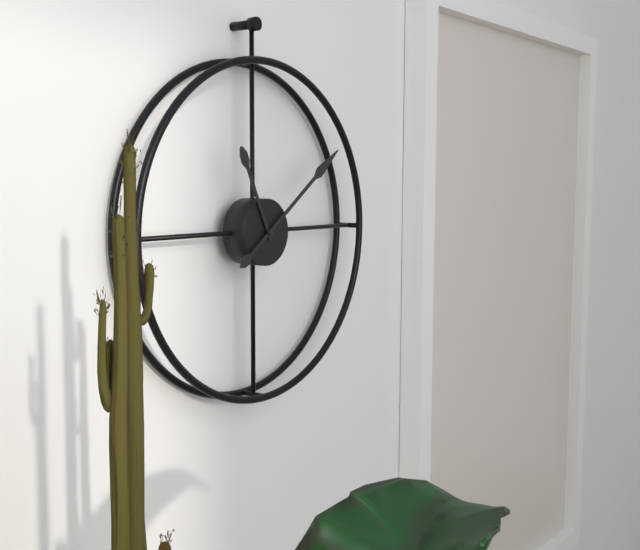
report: 11h09
